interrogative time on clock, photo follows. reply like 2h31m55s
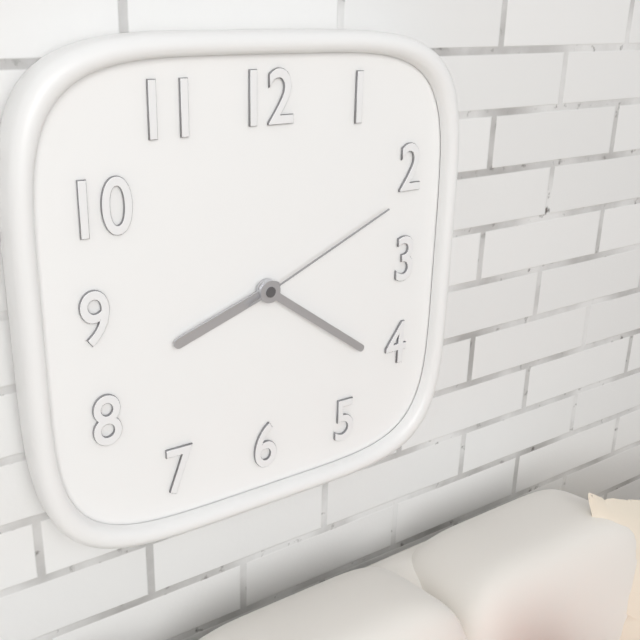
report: 8h21m11s
